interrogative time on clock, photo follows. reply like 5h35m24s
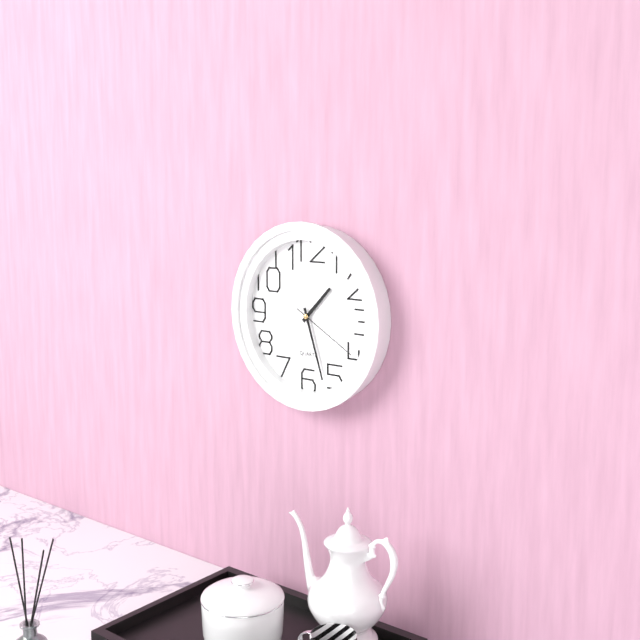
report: 1h27m20s
